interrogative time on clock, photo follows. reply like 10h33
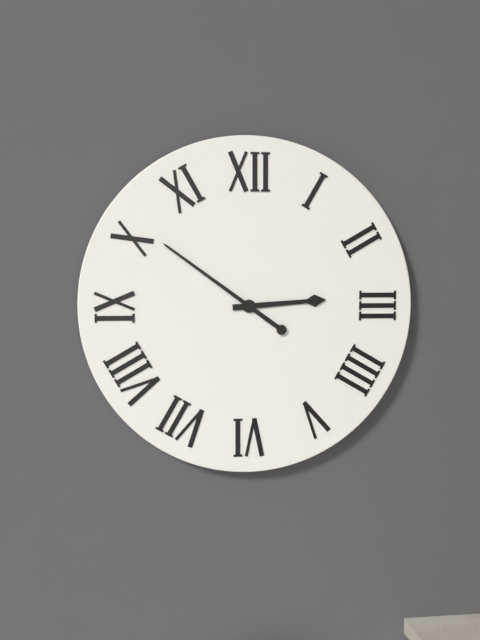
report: 2h51
